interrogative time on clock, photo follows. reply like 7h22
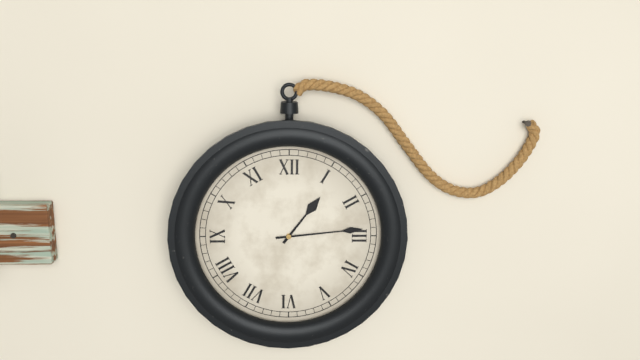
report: 1h14
